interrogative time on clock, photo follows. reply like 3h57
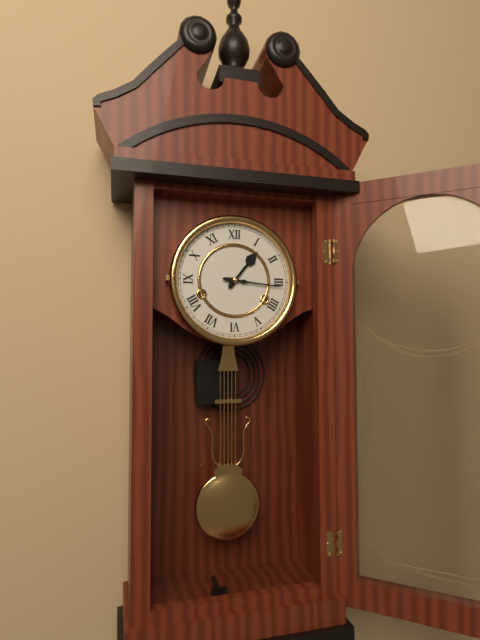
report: 1h16
